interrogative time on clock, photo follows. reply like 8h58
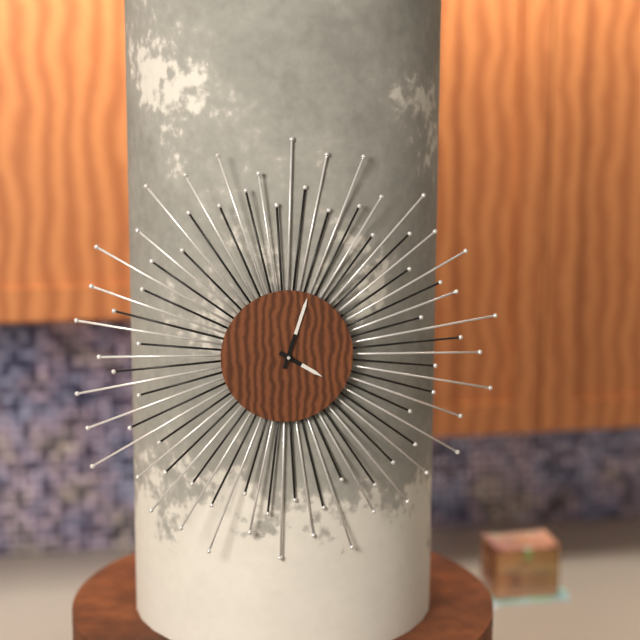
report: 4h03
